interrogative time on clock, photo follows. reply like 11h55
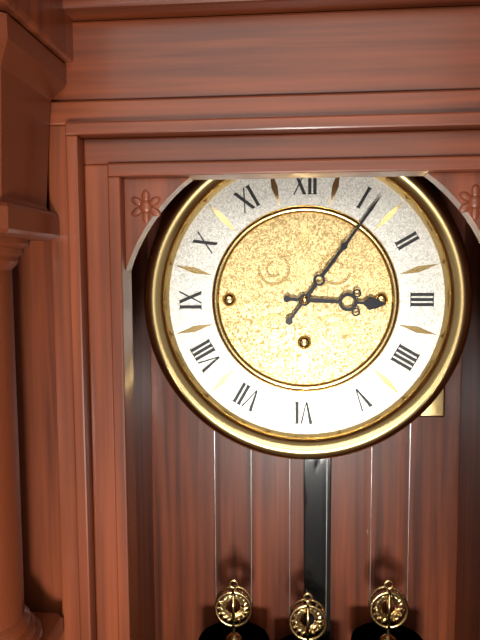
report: 3h06
